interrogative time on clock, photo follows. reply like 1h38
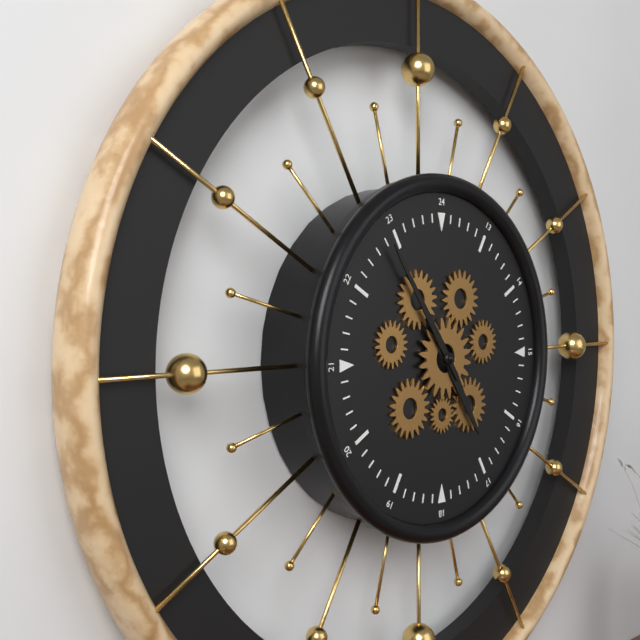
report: 4h54
